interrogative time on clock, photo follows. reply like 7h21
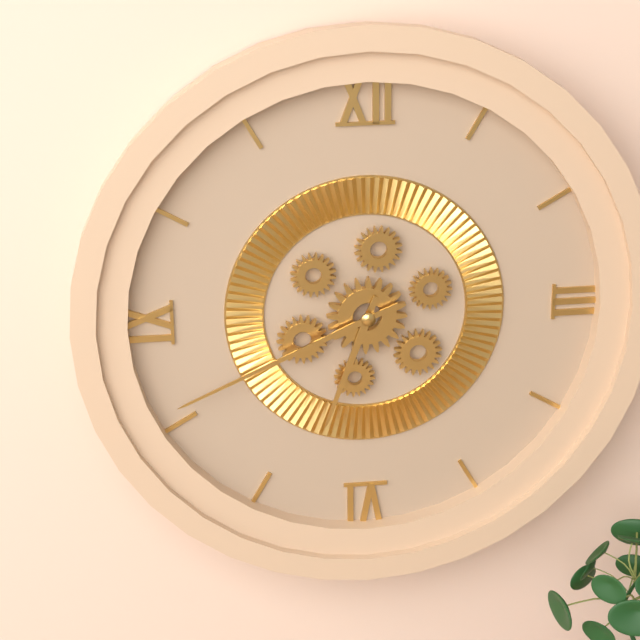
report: 6h41
